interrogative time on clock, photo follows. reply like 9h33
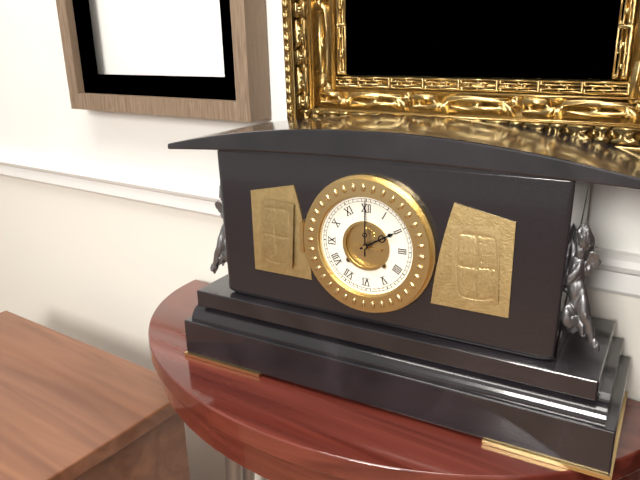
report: 2h00
